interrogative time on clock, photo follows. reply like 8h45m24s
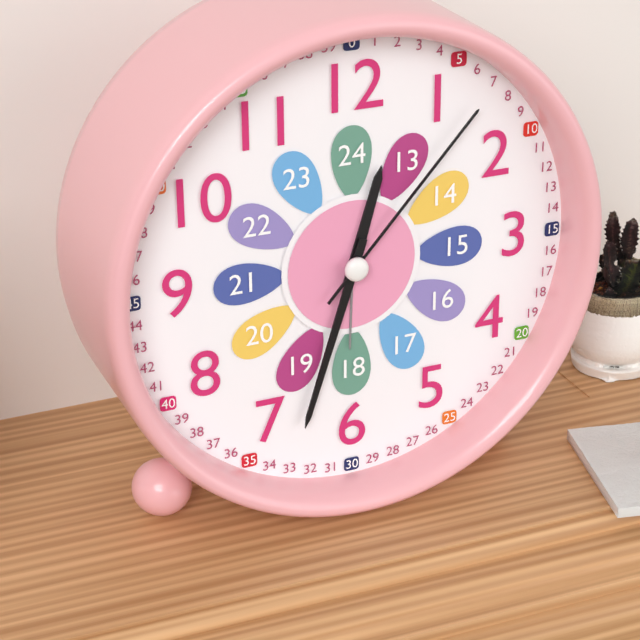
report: 12h33m07s
